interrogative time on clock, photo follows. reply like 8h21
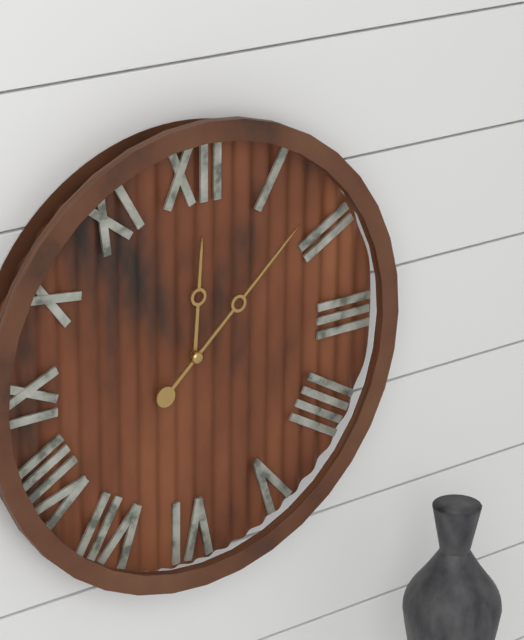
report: 12h08
